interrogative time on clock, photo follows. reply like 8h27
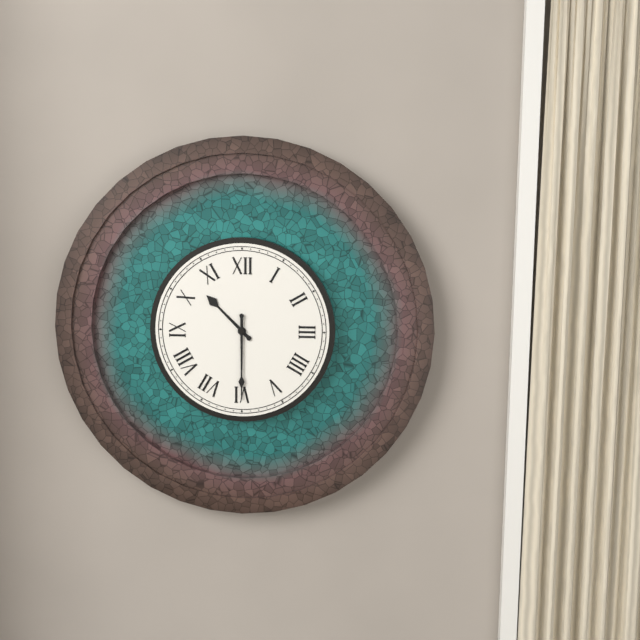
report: 10h30
